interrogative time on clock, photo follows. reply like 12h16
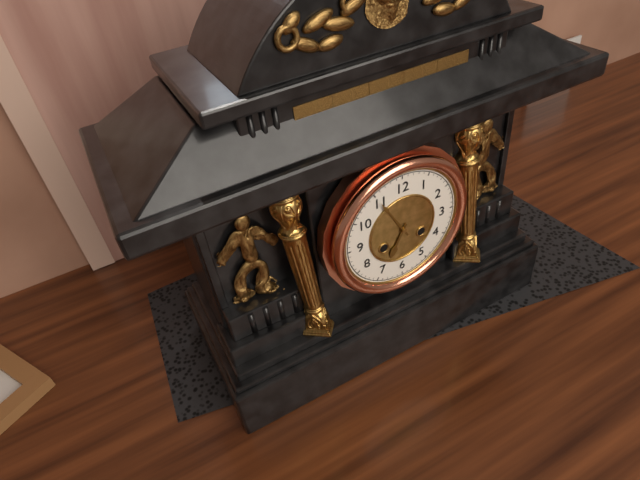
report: 6h55
